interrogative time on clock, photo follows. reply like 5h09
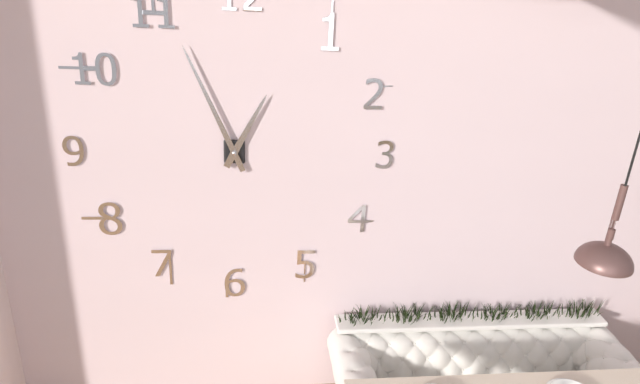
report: 12h56
